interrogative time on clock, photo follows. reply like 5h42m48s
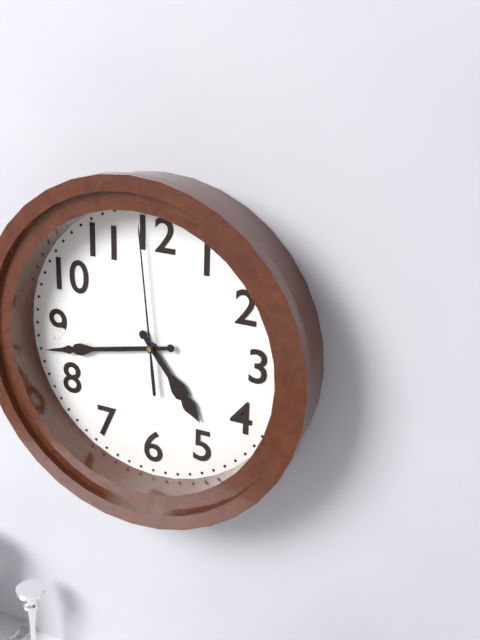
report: 4h43m59s
